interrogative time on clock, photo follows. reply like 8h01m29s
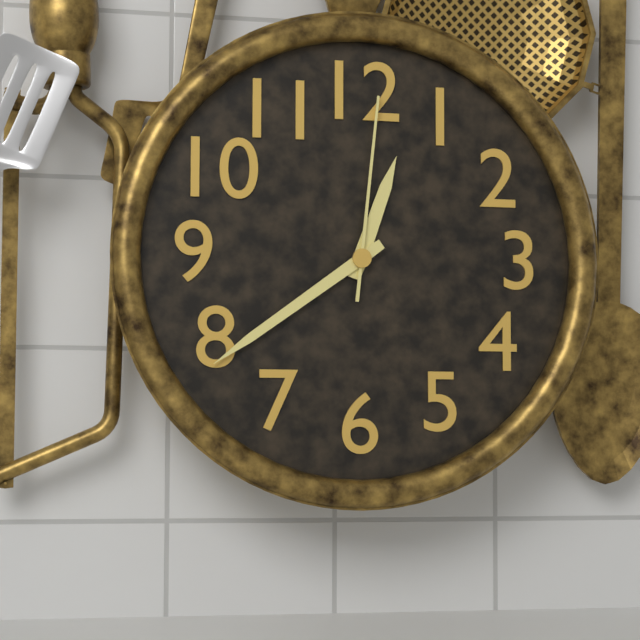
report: 12h39m01s
